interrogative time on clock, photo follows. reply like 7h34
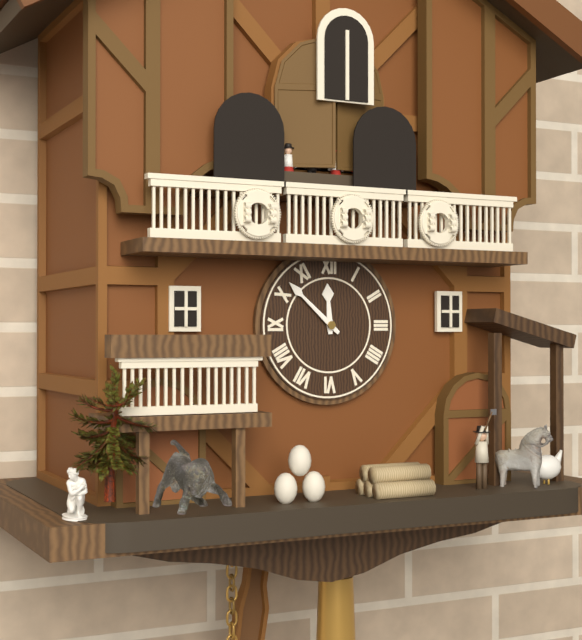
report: 11h52
